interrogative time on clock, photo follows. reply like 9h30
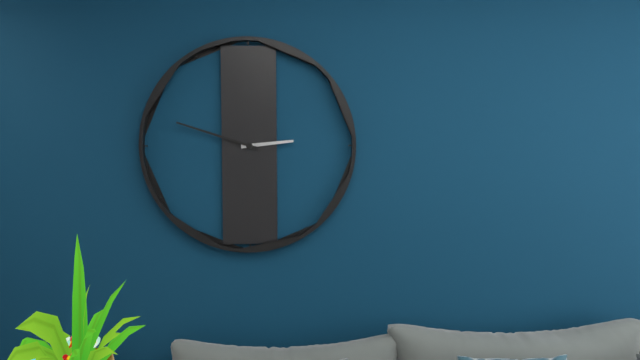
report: 2h48
